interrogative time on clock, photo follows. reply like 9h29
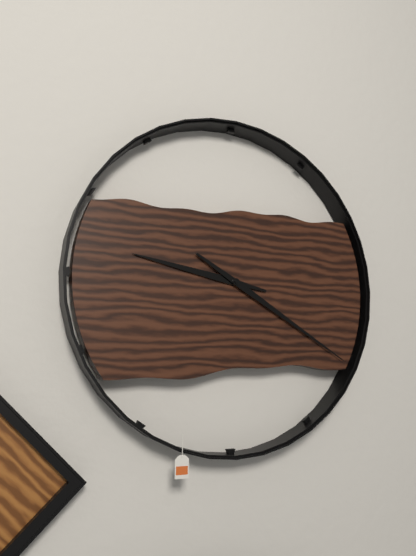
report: 9h20
